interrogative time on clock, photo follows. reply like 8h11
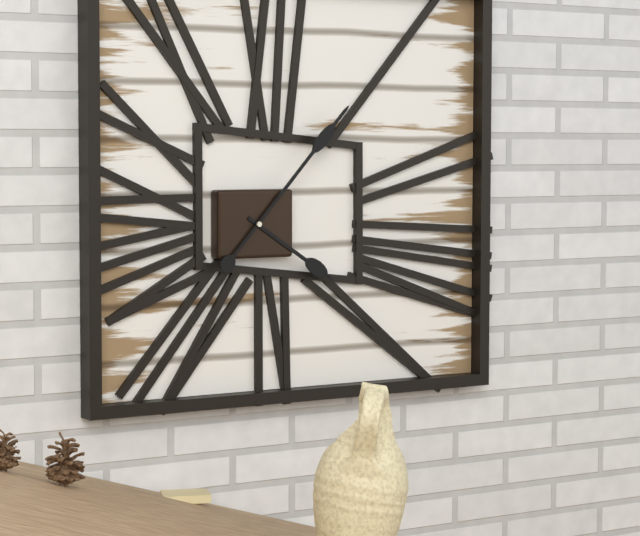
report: 4h07
